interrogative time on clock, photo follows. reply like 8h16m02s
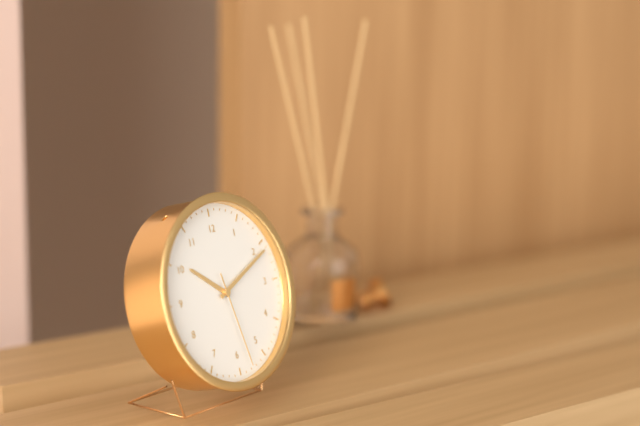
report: 10h11m28s
